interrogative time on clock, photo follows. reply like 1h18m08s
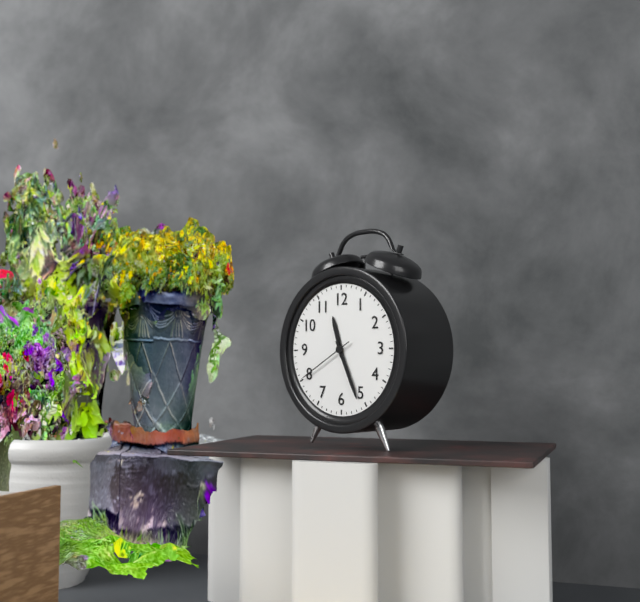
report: 11h26m40s
